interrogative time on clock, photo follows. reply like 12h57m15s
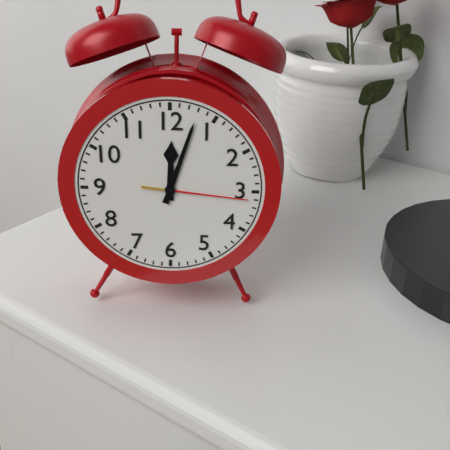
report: 12h03m16s
